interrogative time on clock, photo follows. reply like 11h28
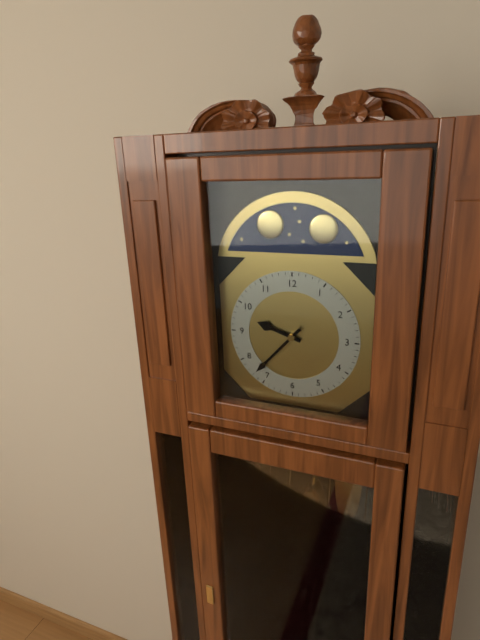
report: 9h37
